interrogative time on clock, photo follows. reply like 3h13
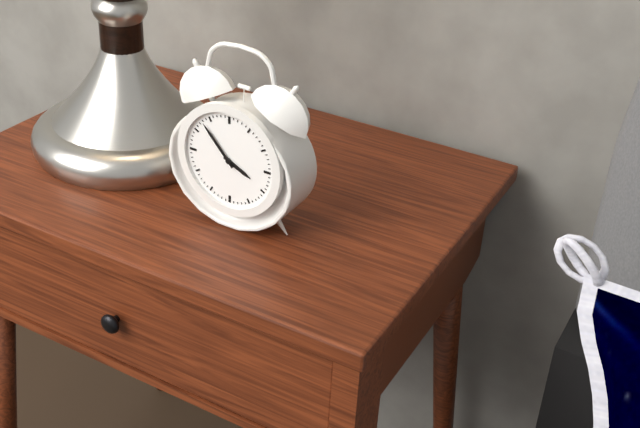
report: 3h53
